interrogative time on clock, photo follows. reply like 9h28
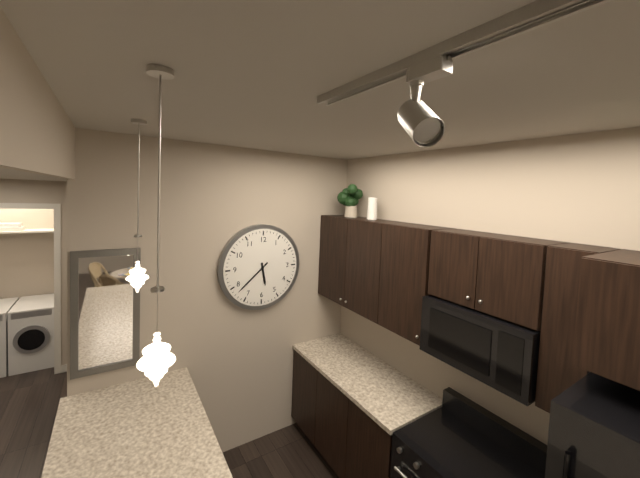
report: 5h38
